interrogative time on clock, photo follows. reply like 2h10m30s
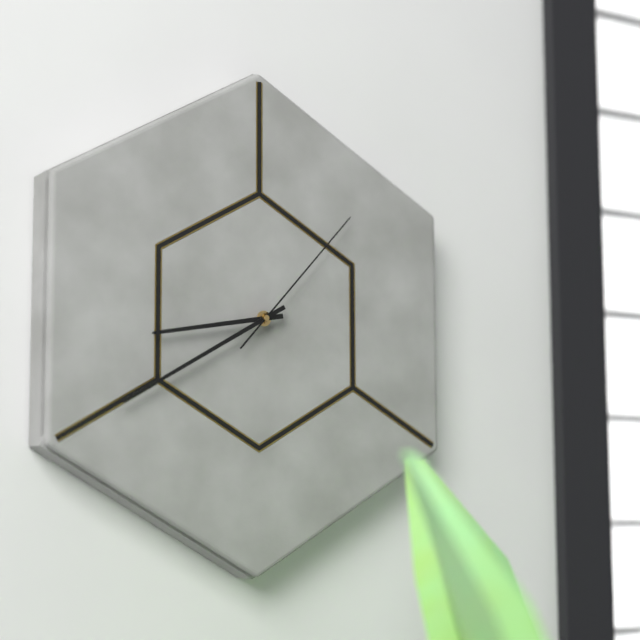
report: 8h40m07s
